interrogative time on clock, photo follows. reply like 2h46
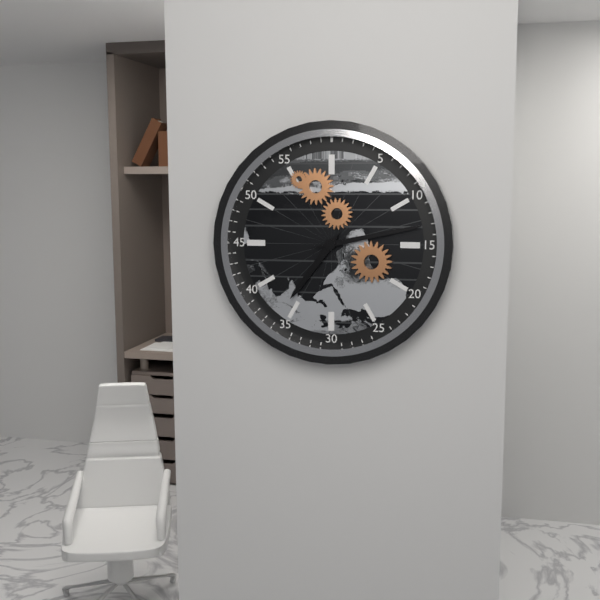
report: 7h13
